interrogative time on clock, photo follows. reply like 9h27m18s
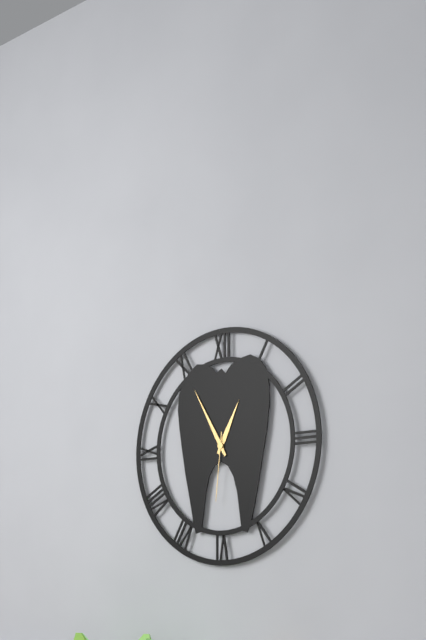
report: 12h55m31s
